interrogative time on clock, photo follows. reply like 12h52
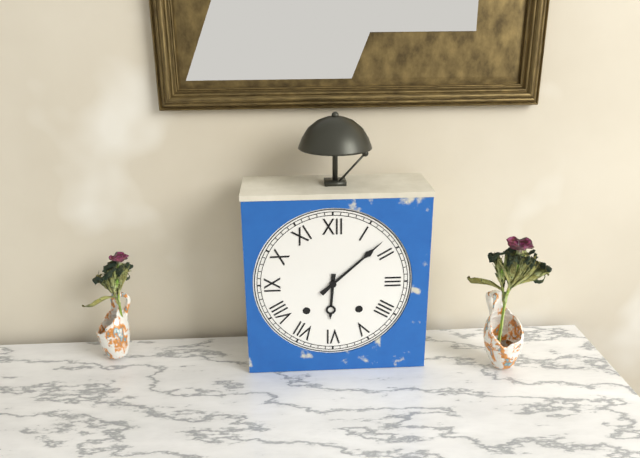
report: 6h08
